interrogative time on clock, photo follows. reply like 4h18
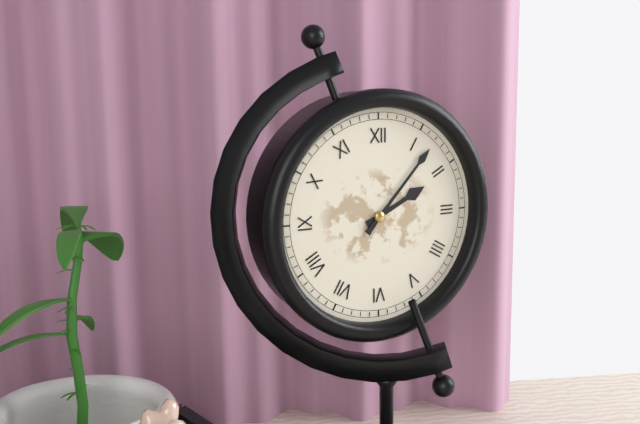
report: 2h07
